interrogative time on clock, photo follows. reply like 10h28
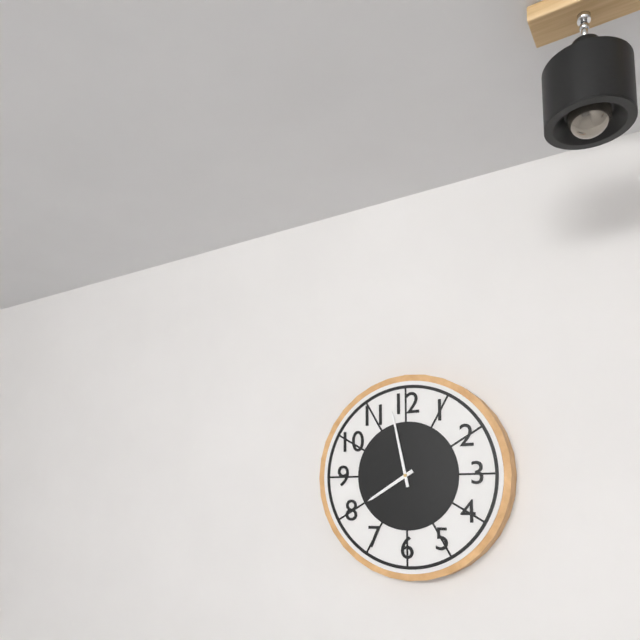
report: 7h58
